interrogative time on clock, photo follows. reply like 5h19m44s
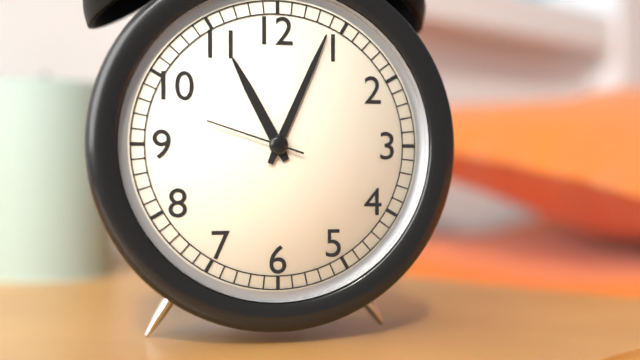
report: 11h04m48s
